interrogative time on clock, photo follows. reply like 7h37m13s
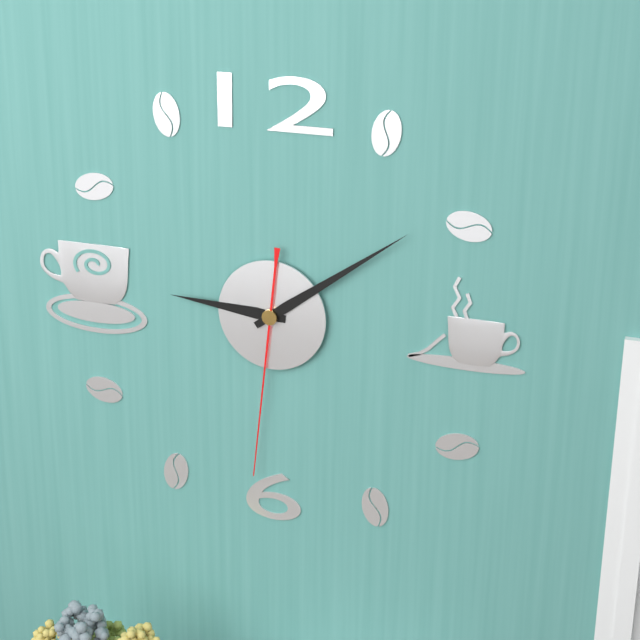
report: 9h09m31s
